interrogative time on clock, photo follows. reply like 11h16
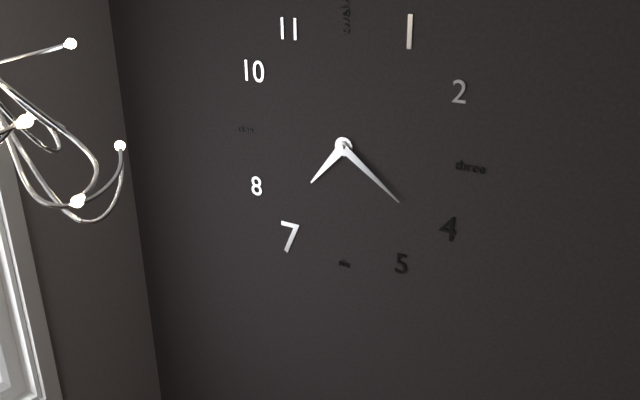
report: 7h21
